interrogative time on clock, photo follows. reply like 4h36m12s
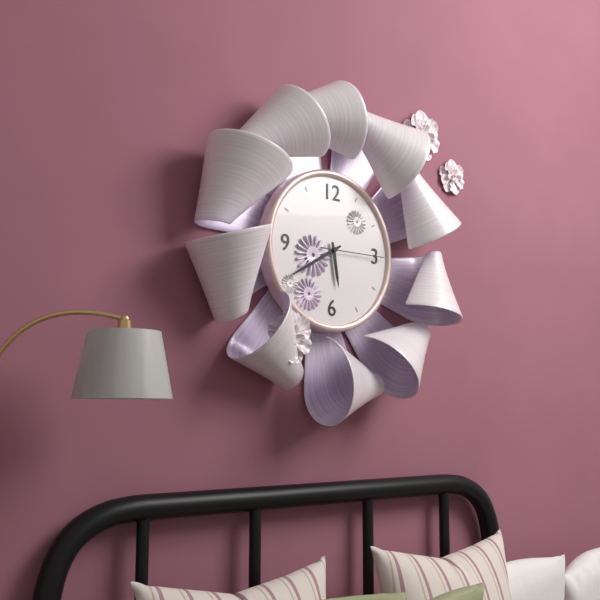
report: 5h40m15s
